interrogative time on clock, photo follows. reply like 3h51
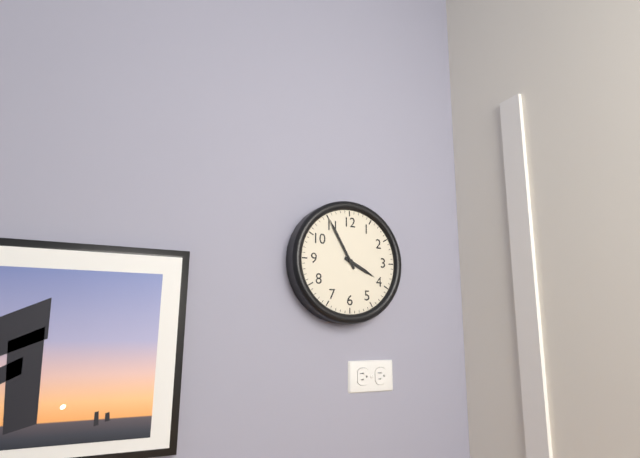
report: 3h55
